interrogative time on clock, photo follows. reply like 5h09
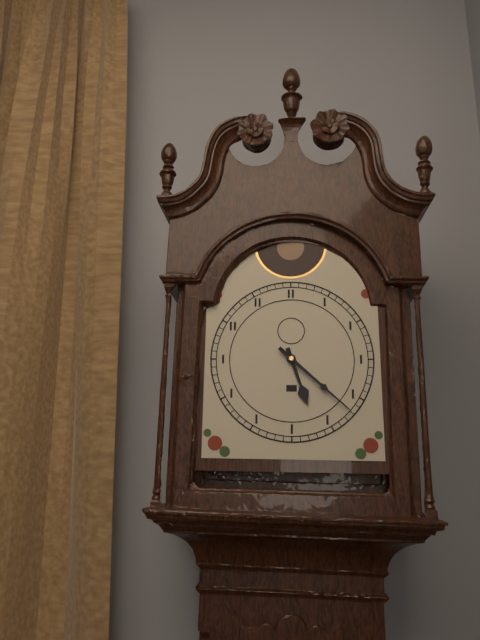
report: 5h22
